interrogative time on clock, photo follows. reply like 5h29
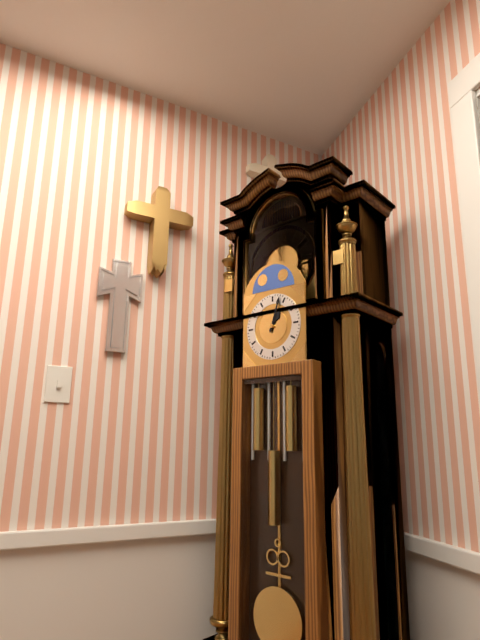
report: 1h03
